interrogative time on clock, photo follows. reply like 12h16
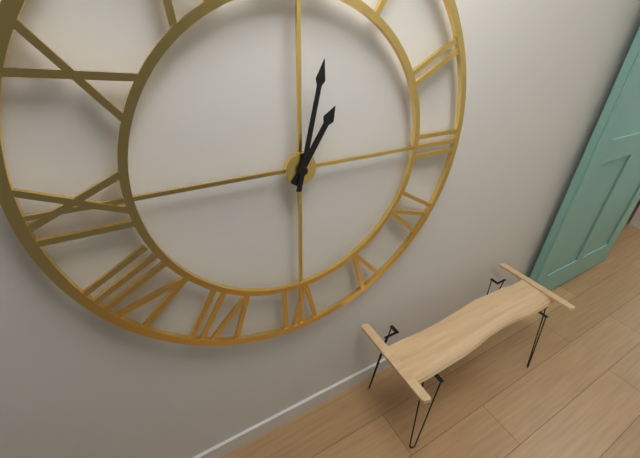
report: 1h02
